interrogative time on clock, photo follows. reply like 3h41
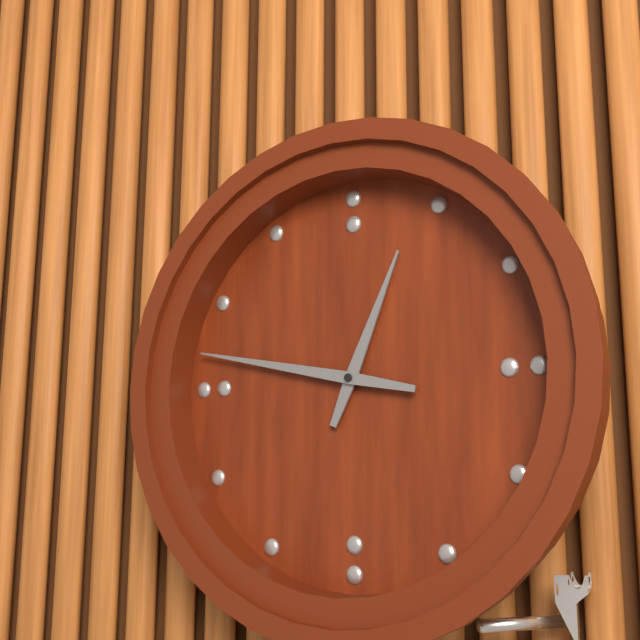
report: 12h47
